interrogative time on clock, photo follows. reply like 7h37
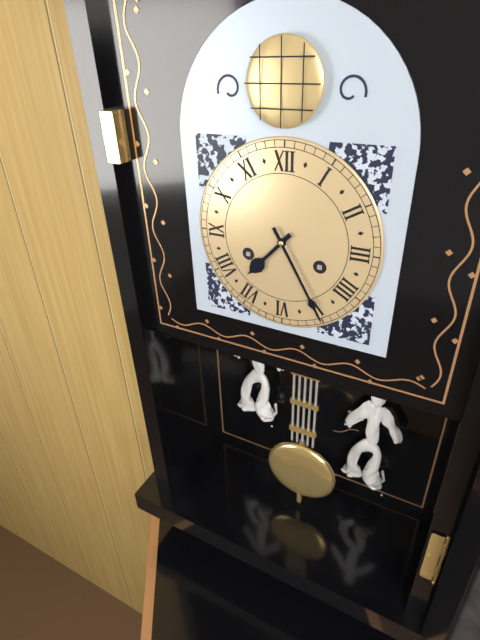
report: 7h25
